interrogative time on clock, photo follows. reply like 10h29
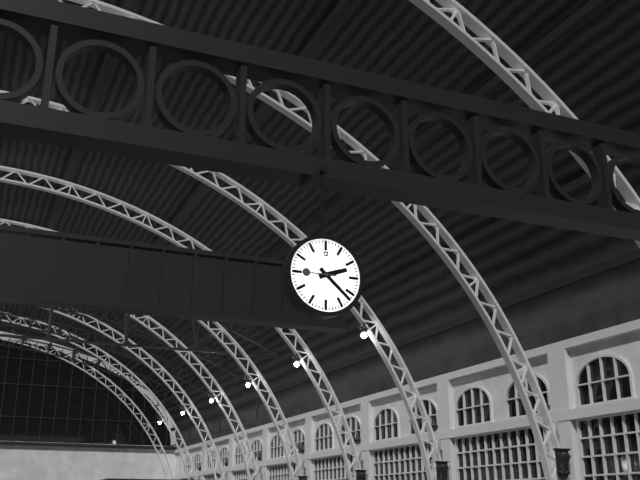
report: 2h22
